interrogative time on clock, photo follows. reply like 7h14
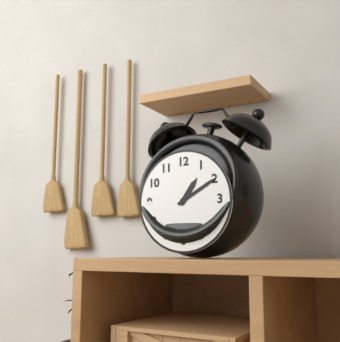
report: 1h10
